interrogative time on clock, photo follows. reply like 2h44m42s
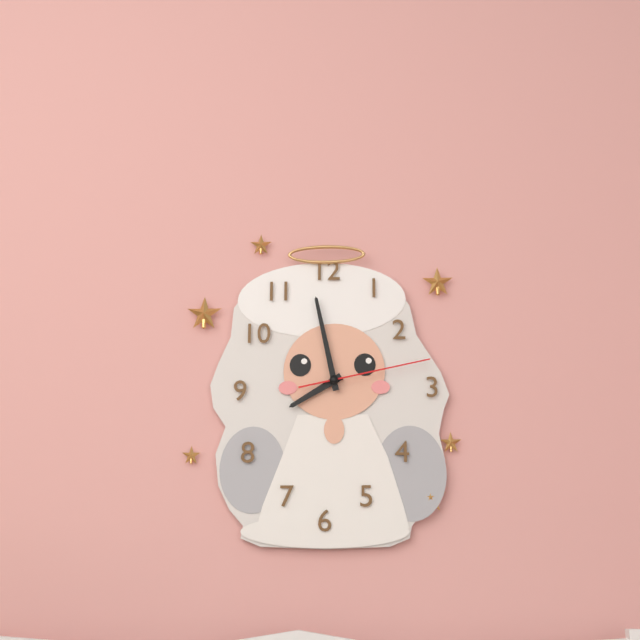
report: 7h58m13s
